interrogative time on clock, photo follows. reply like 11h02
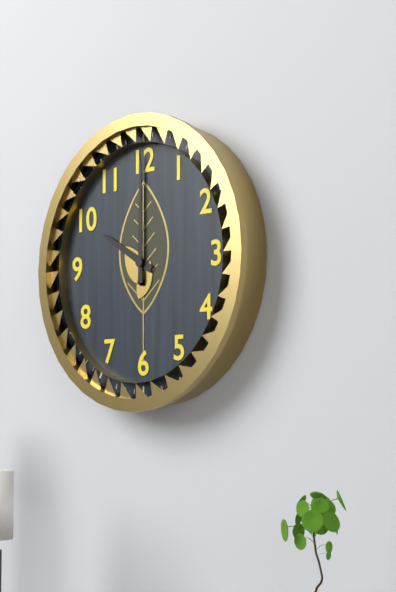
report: 10h00
